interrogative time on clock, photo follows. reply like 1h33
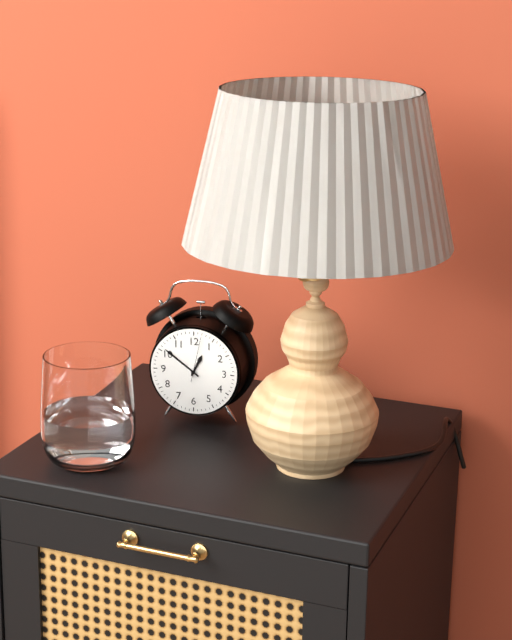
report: 12h51
